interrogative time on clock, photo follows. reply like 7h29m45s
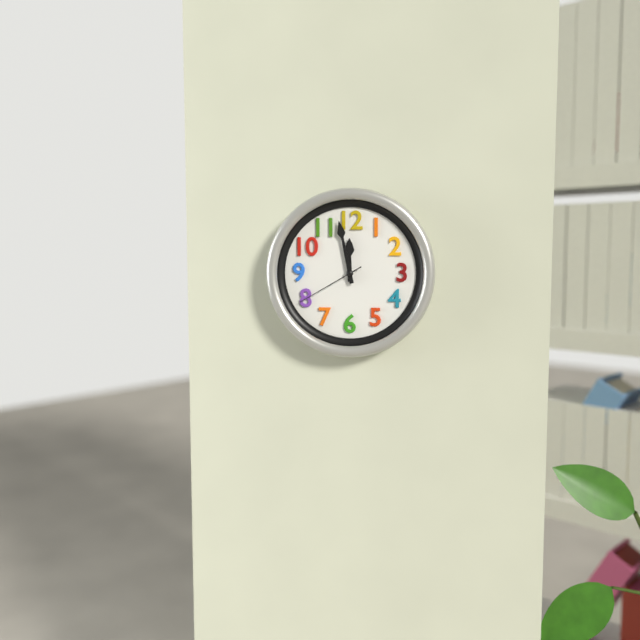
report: 11h58m40s
